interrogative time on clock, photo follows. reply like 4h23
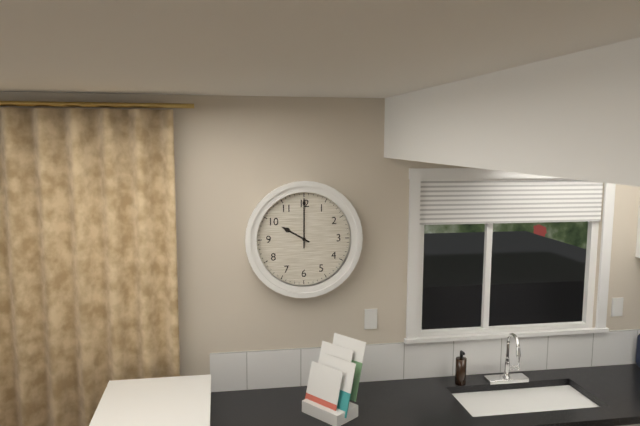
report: 10h00
